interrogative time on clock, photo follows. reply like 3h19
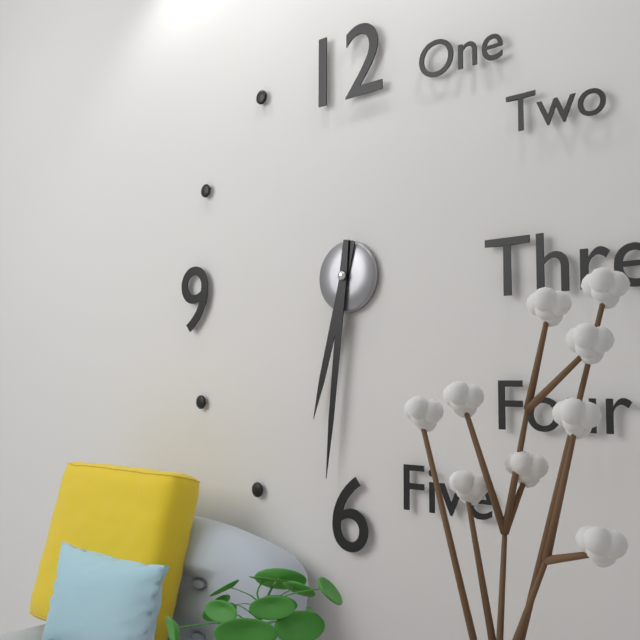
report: 6h31
